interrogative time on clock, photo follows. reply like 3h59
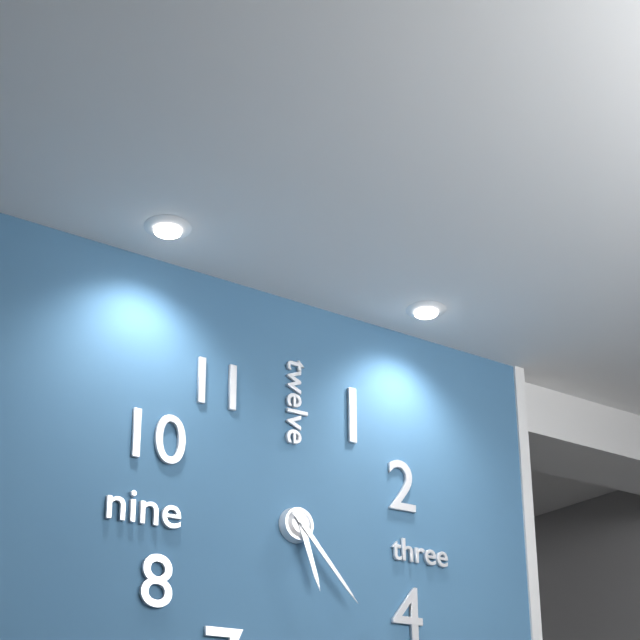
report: 5h23
